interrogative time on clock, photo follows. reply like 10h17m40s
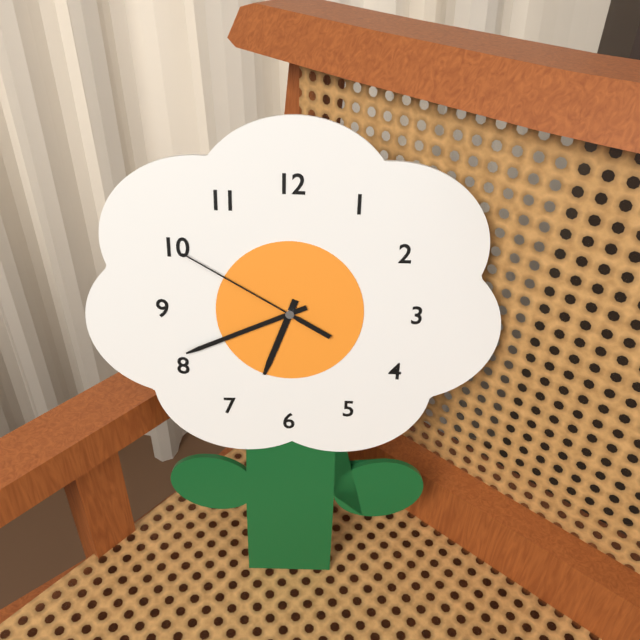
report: 6h41m50s
